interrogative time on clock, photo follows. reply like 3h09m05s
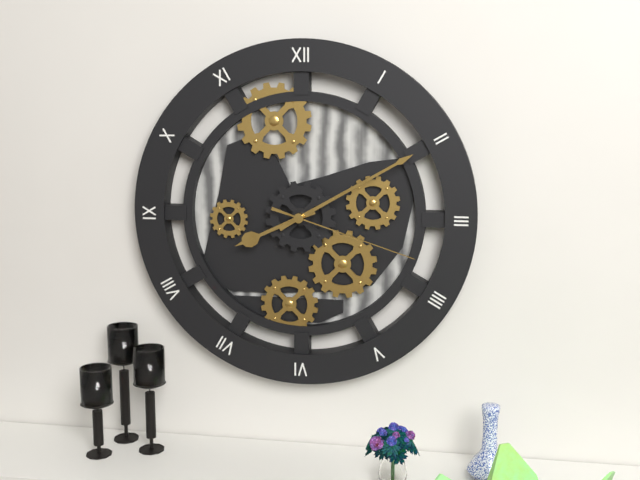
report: 8h10m18s
